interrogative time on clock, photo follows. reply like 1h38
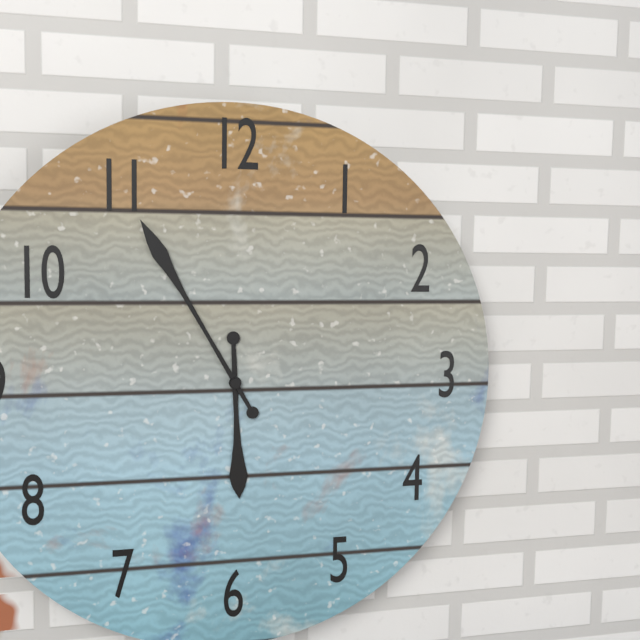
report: 5h55
